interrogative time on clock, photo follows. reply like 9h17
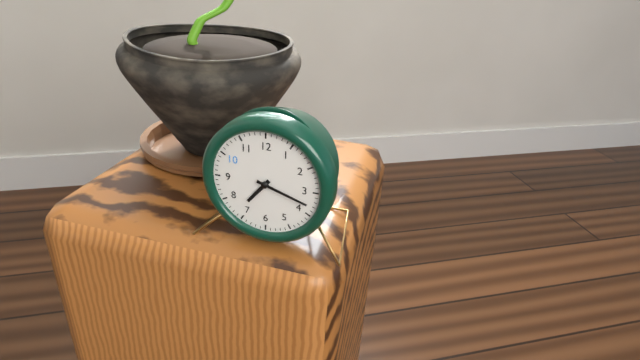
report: 7h18
